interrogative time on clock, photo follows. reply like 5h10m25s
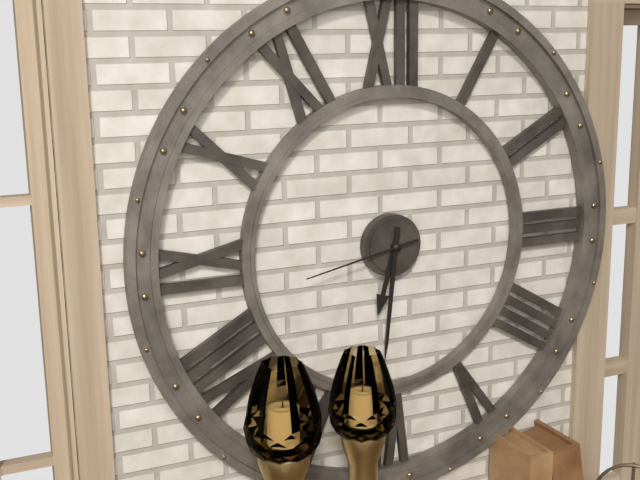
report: 6h31m43s
